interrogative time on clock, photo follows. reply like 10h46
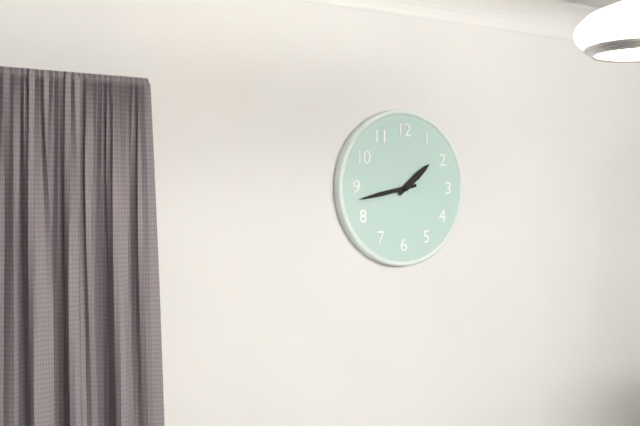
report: 1h43
